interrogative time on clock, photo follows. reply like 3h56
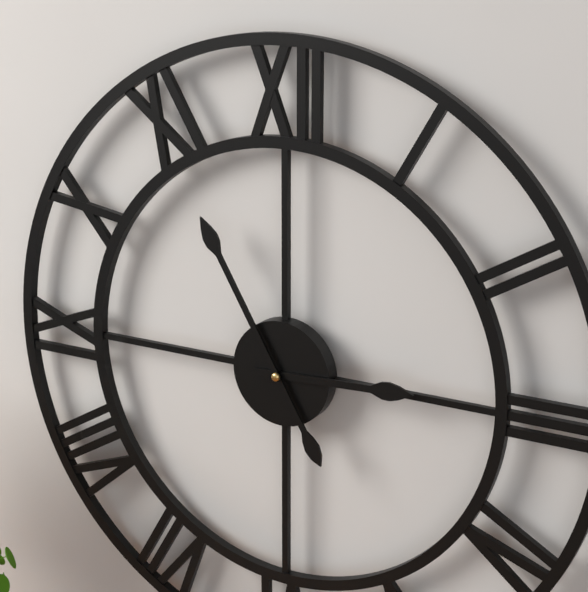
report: 2h55
